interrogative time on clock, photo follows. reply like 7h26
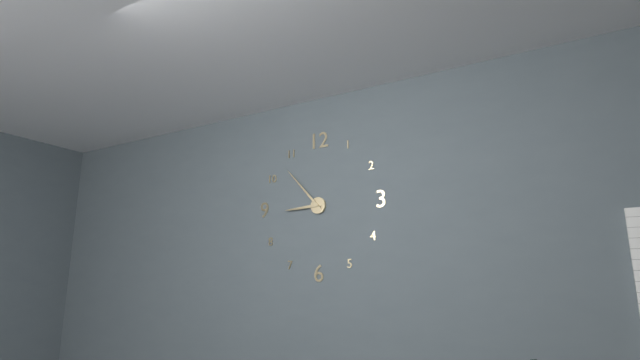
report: 8h53
